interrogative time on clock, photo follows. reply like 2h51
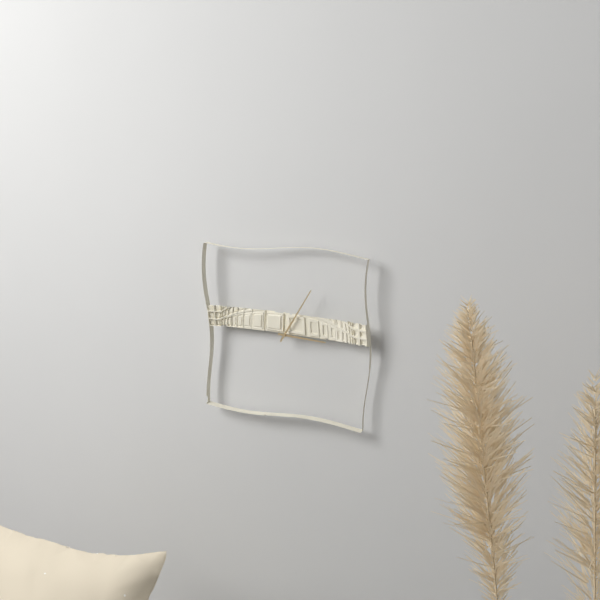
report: 3h05
